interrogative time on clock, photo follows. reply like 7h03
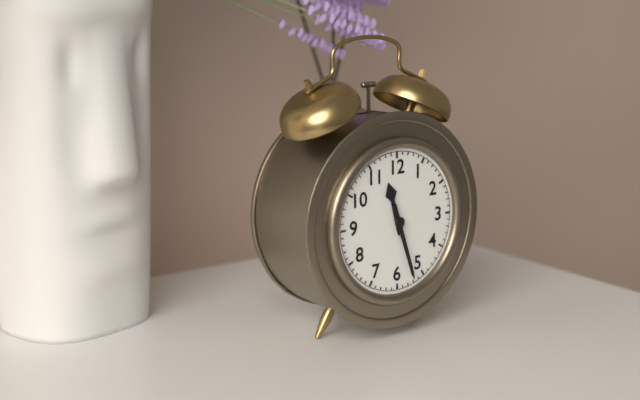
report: 11h27
